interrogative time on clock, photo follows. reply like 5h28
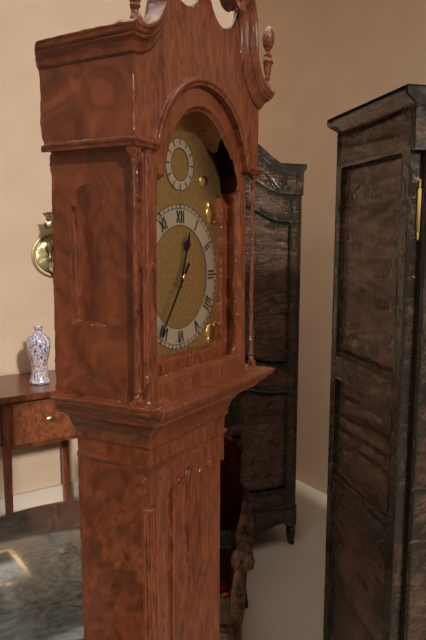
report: 12h36
